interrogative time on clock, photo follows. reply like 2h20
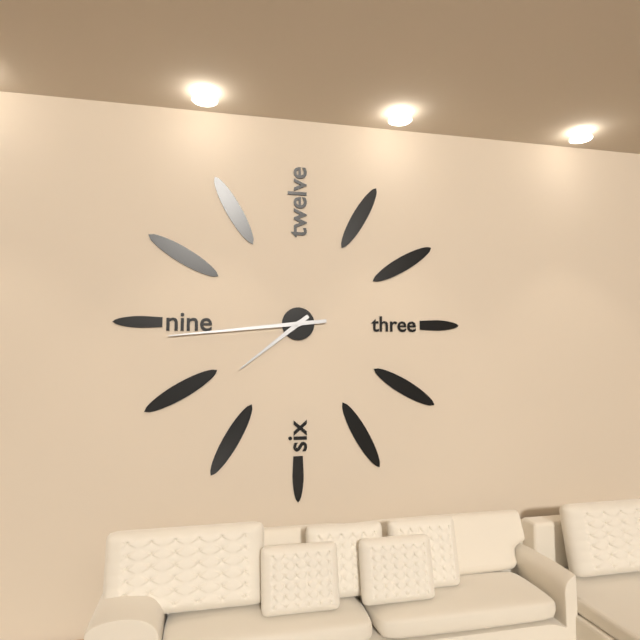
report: 7h44
